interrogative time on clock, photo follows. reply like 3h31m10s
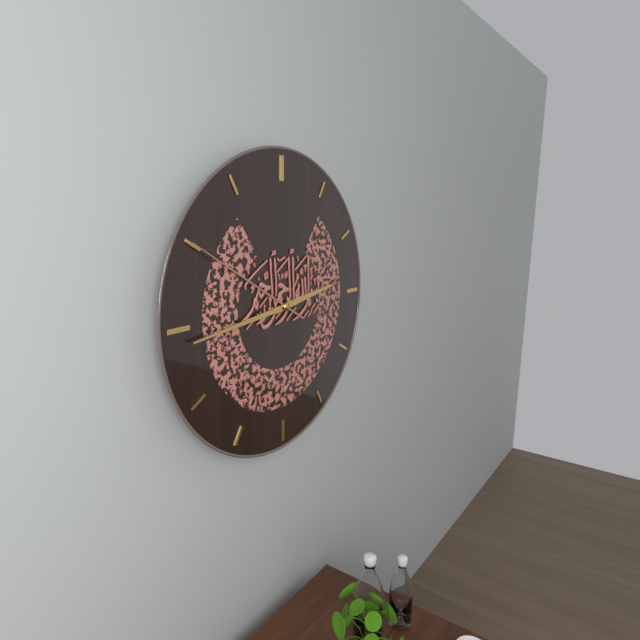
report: 2h44m50s
